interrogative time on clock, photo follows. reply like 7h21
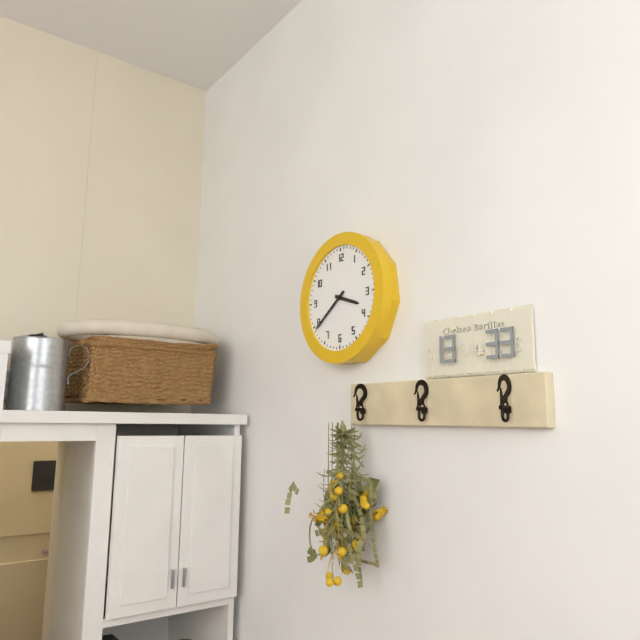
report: 3h39
